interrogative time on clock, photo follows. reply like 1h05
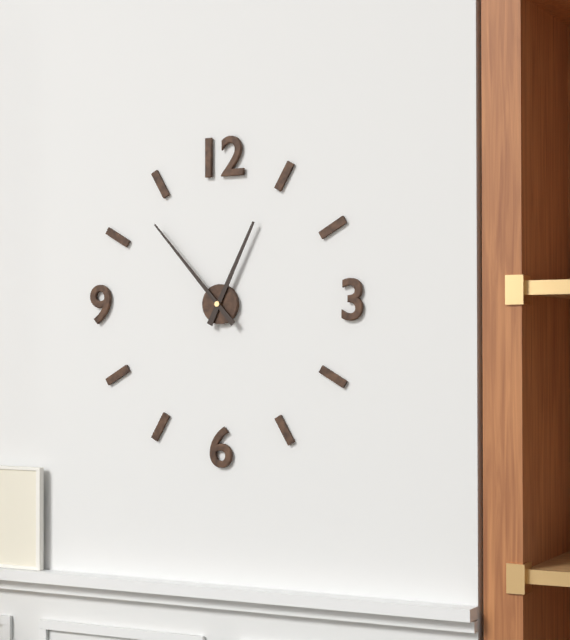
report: 12h53
